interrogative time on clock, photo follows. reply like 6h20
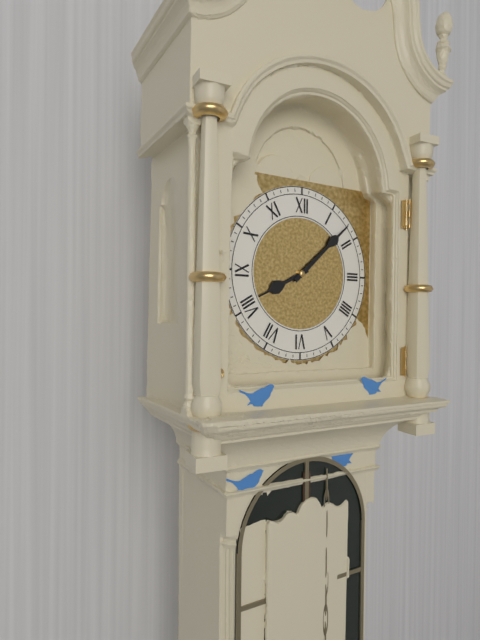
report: 8h08
